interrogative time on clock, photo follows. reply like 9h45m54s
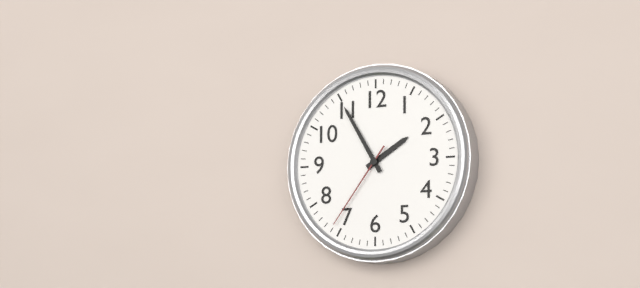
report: 1h55m36s
